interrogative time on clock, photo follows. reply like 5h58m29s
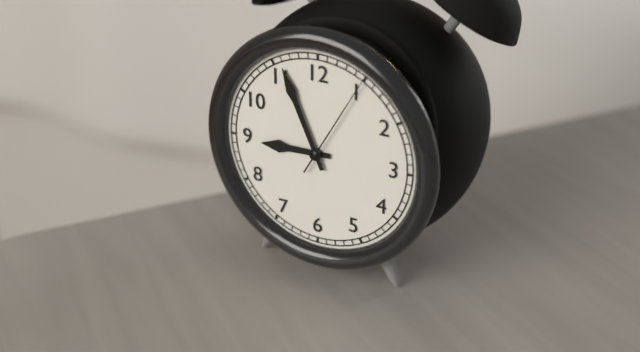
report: 8h56m05s
